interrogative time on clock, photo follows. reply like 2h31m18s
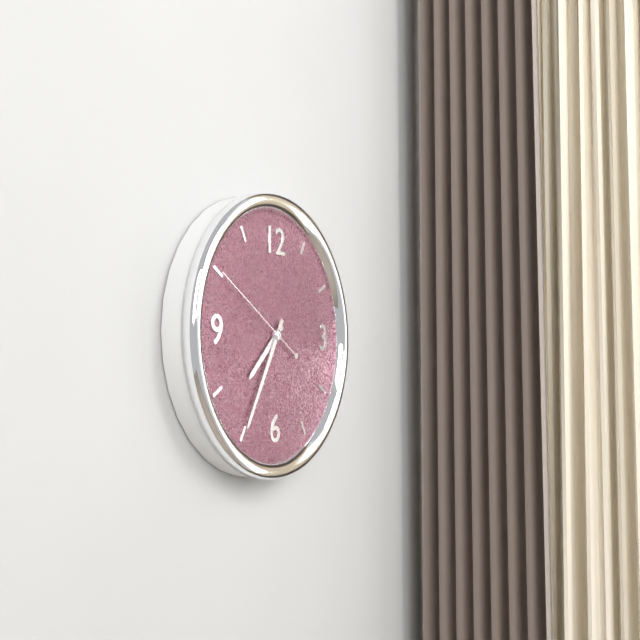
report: 7h35m50s
